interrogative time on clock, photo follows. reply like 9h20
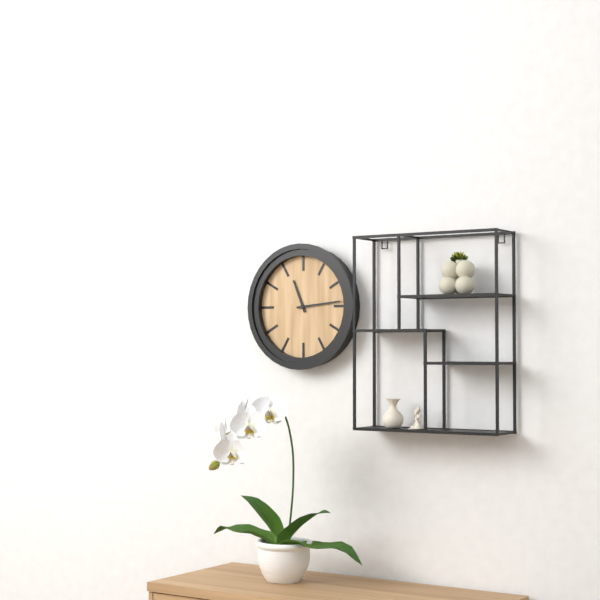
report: 11h14
